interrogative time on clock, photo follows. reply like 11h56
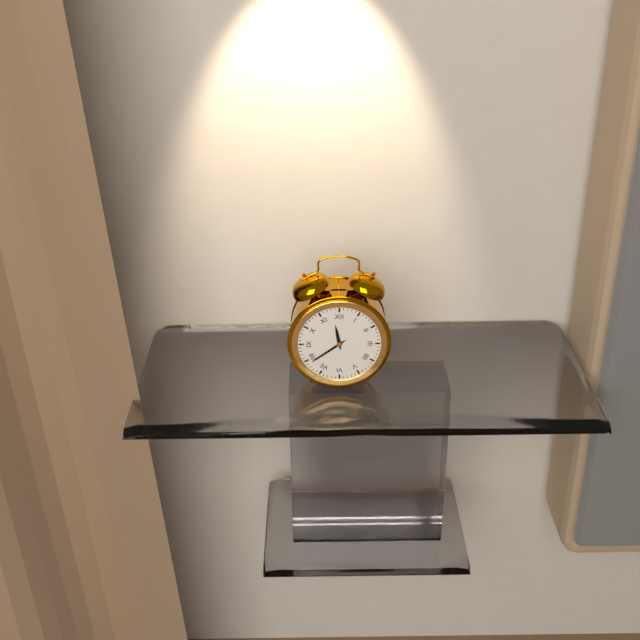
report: 11h39
